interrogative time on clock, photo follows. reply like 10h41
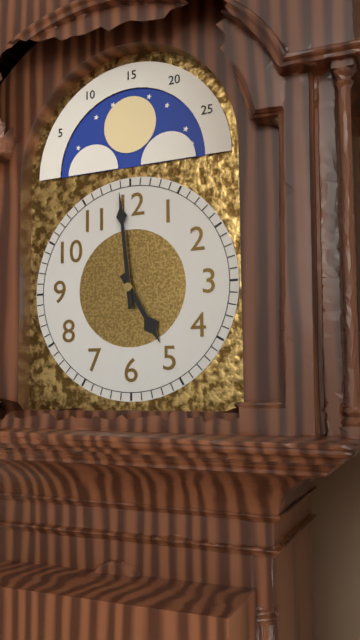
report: 4h59
